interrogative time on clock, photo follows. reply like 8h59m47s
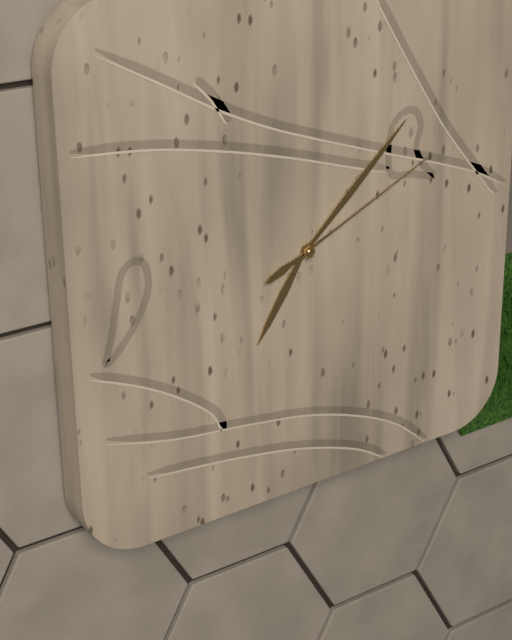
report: 7h08m11s
